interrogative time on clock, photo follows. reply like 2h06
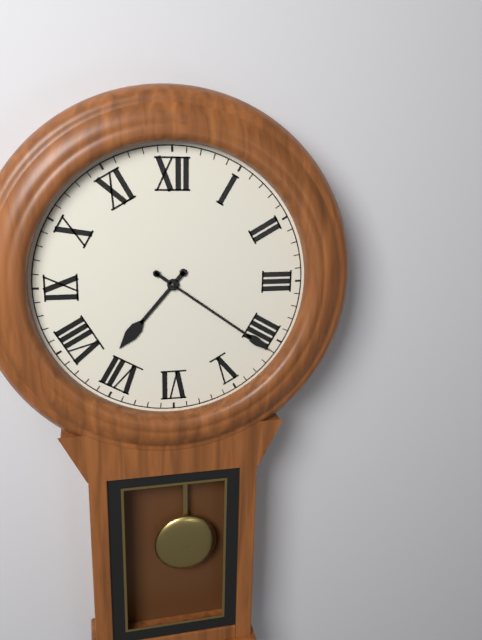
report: 7h21
